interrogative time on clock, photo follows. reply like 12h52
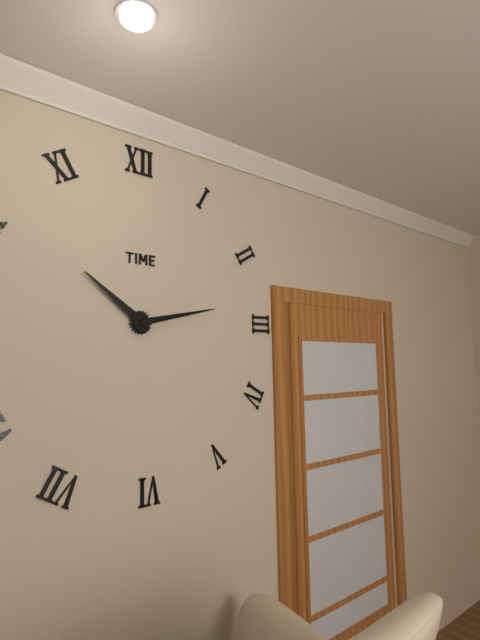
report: 10h13
